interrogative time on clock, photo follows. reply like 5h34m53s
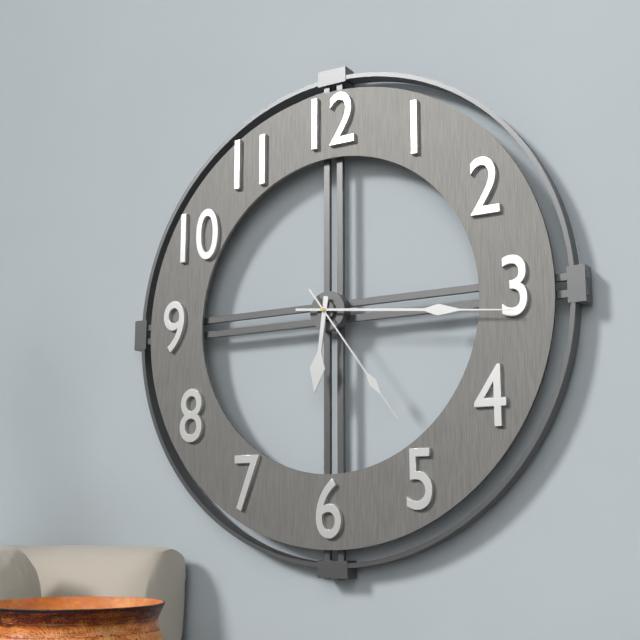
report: 6h16m24s
